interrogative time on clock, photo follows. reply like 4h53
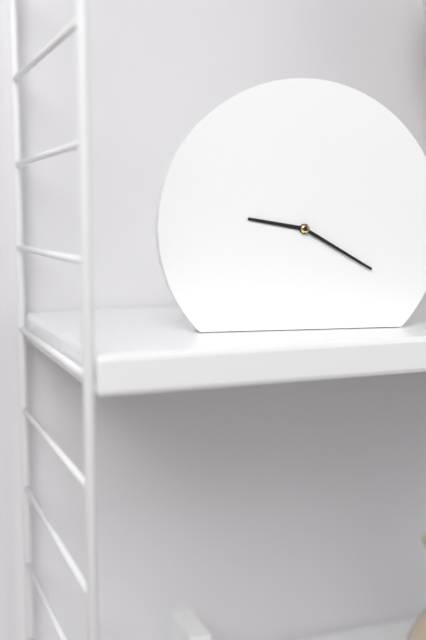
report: 9h20
